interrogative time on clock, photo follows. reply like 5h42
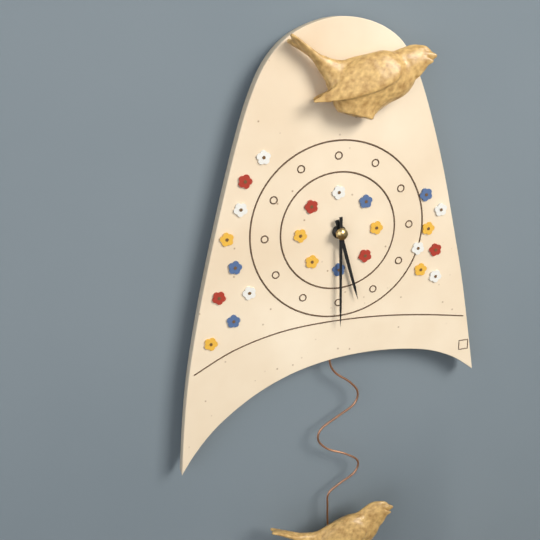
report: 5h30
